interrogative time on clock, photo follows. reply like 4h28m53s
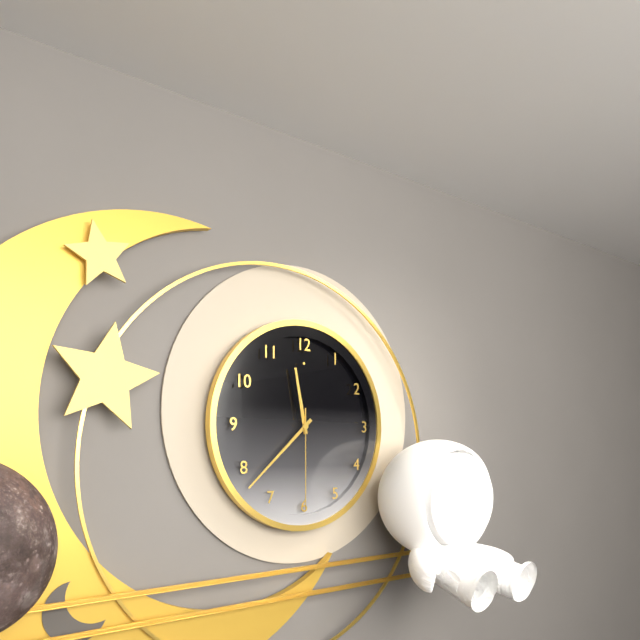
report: 11h38m30s
